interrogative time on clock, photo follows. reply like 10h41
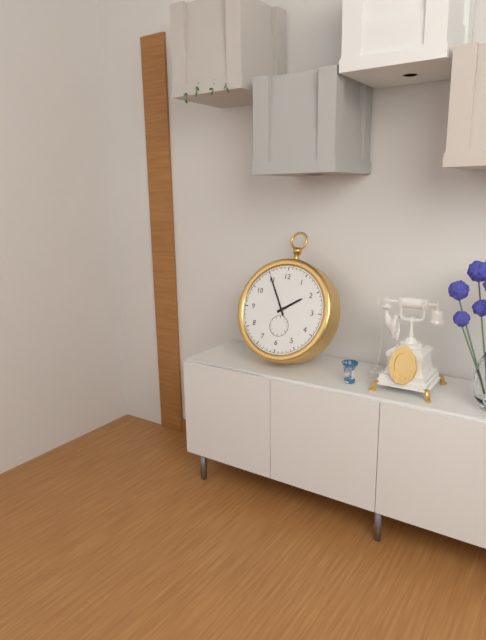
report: 1h55
